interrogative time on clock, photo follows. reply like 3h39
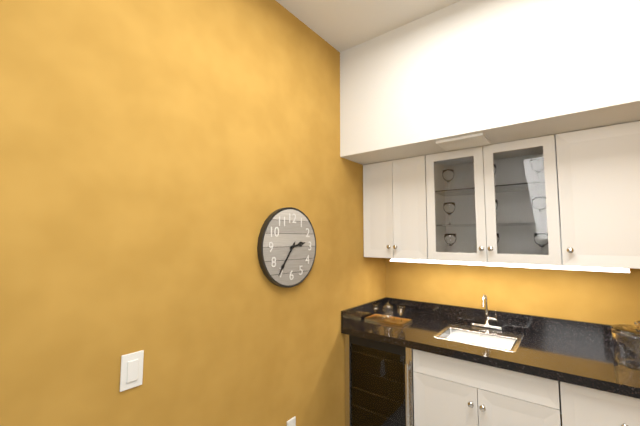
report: 2h36
